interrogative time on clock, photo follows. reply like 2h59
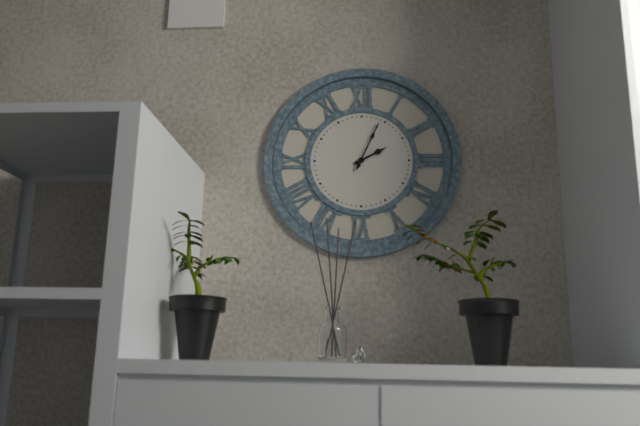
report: 2h04
